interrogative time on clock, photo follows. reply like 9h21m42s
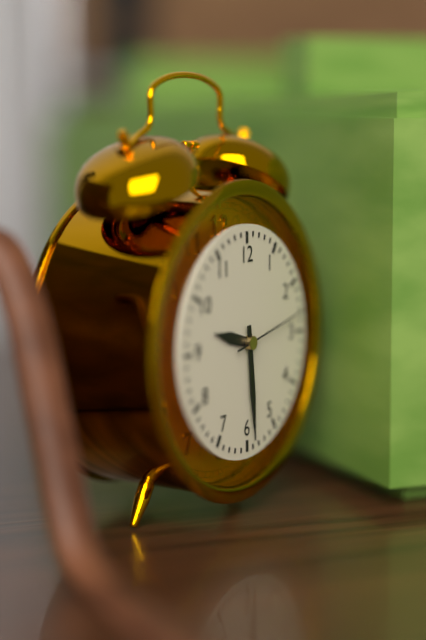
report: 9h29m13s
